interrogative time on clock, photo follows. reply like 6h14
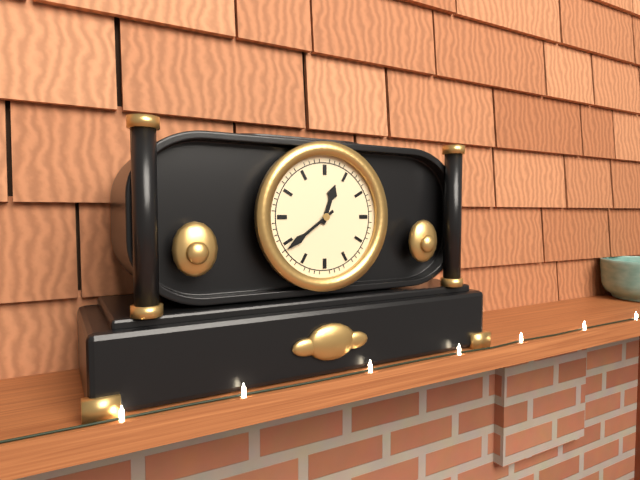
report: 12h39
